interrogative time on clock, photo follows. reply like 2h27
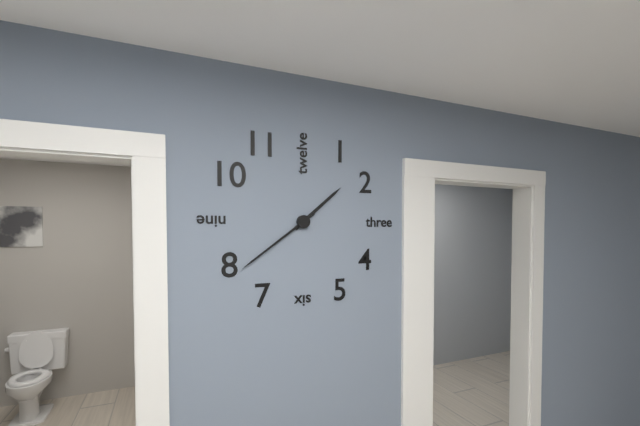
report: 1h39
